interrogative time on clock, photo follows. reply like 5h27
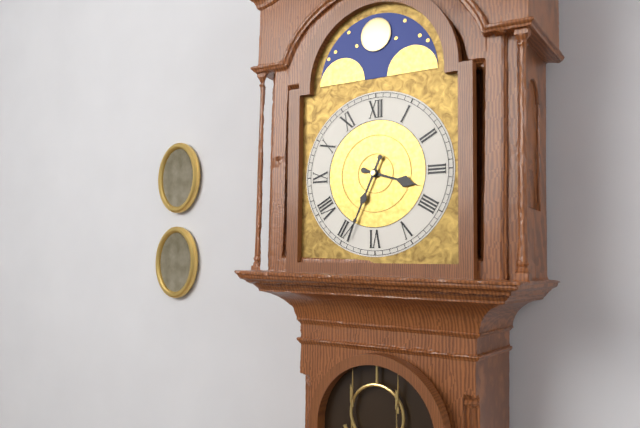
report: 3h34
